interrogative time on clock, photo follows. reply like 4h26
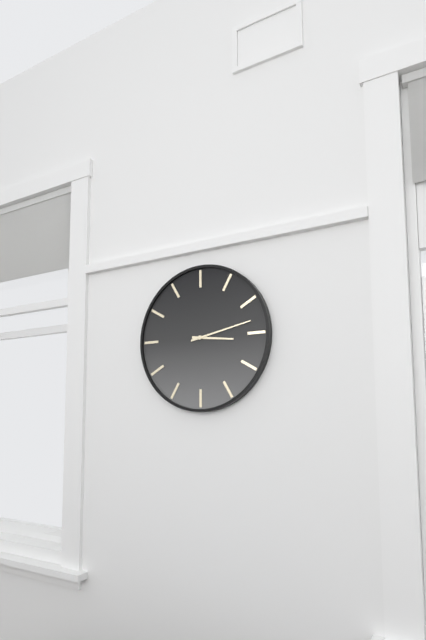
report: 3h13
